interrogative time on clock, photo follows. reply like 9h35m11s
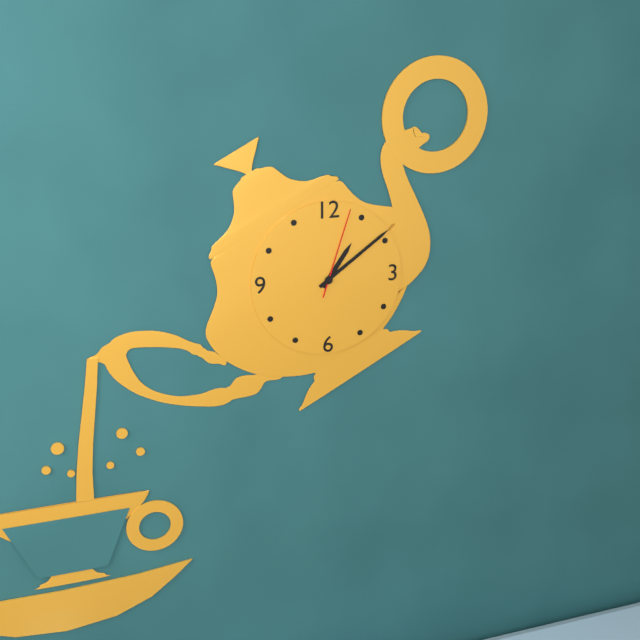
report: 1h09m03s
